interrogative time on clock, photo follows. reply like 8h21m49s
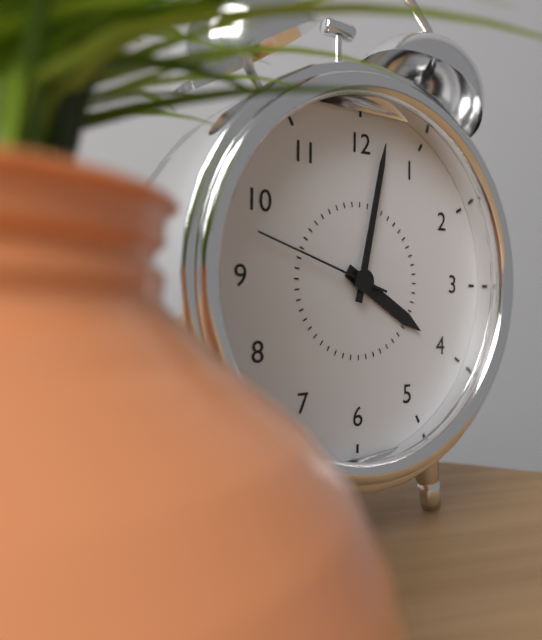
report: 4h02m48s
